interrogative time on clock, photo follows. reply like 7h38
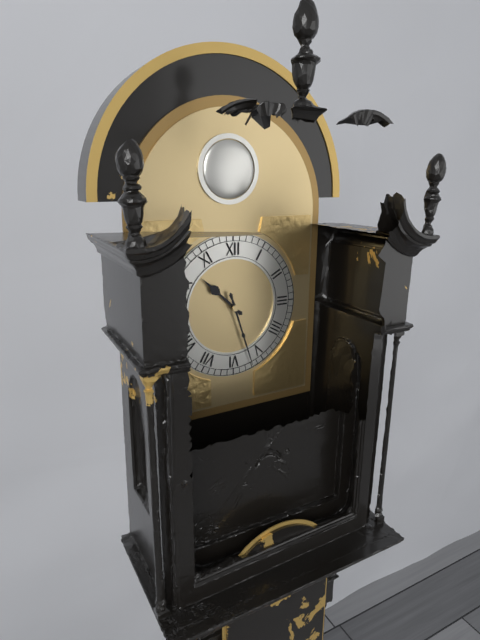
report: 10h27
